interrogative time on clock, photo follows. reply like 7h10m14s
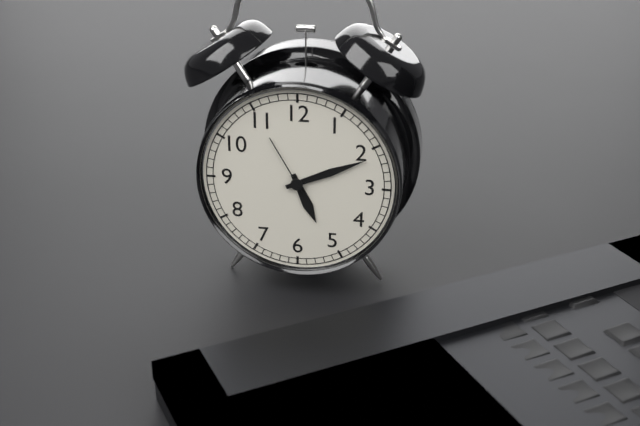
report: 5h11m55s
